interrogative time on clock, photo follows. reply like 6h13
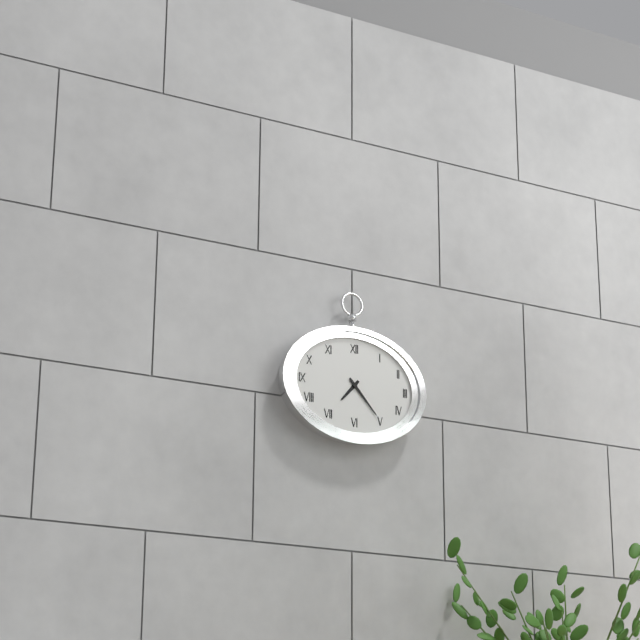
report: 7h23
